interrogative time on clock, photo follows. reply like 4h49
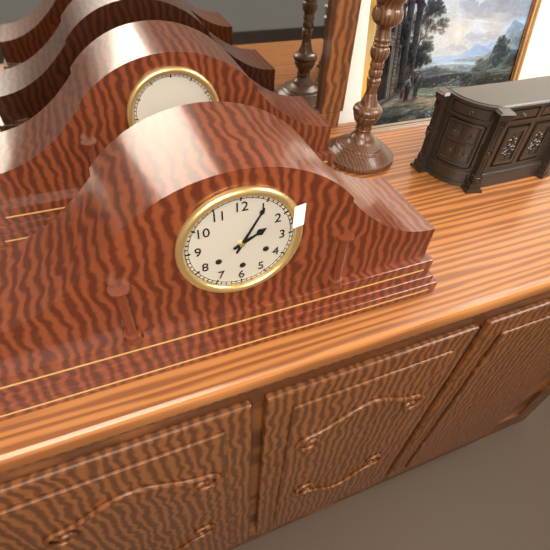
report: 2h05
